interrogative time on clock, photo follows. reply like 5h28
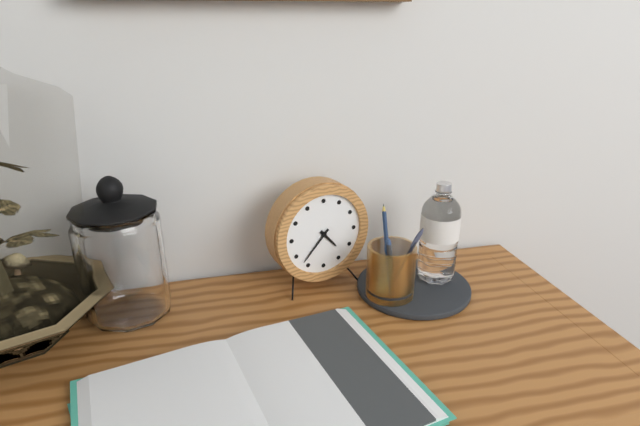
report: 4h37
